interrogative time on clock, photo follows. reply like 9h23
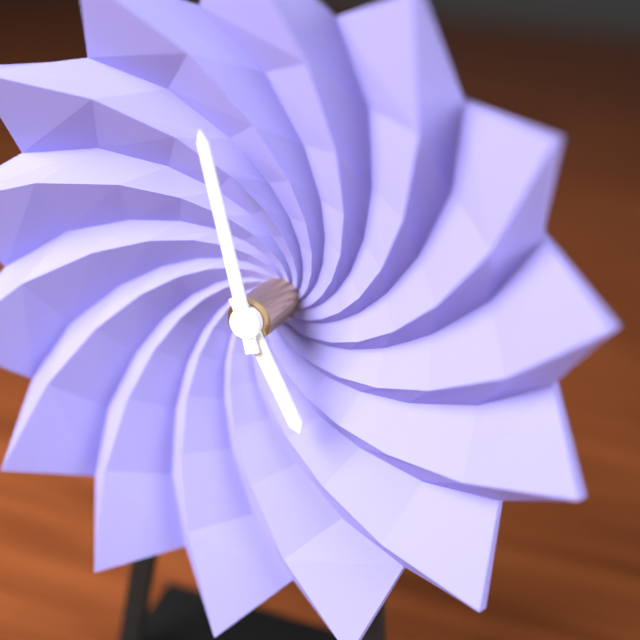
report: 4h57
